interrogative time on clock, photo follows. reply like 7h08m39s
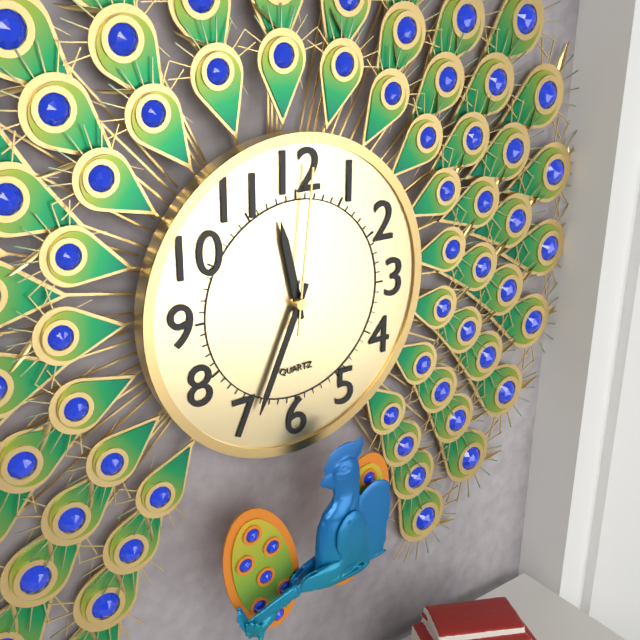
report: 11h34m01s
